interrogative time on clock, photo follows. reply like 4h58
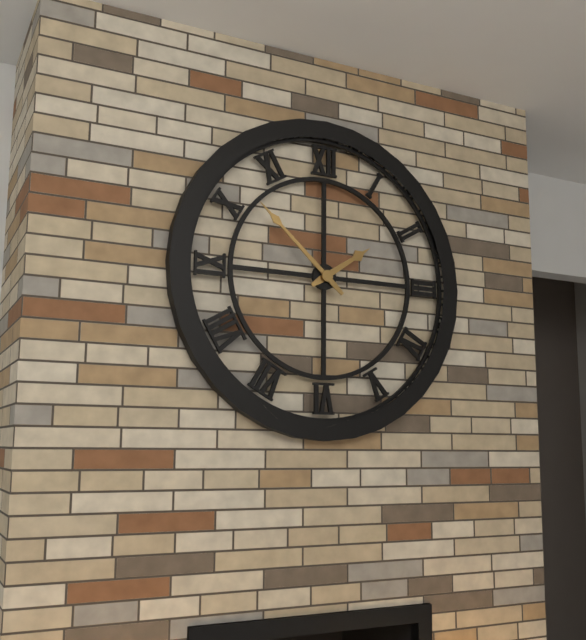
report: 1h52
